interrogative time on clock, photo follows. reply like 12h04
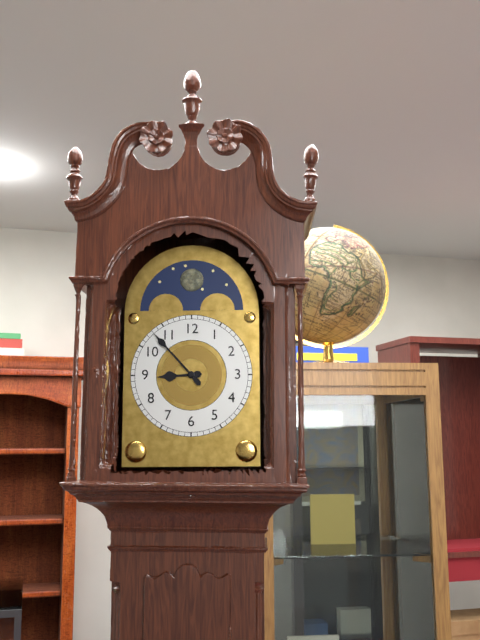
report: 8h53
